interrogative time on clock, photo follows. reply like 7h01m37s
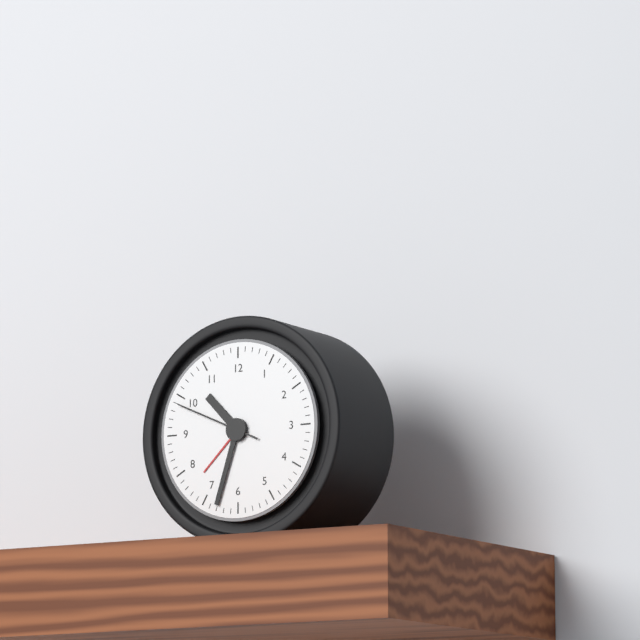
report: 10h33m49s
